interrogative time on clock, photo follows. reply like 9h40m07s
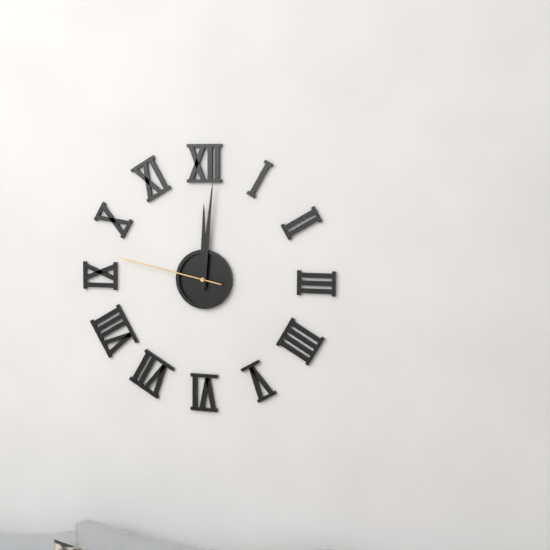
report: 12h01m47s
